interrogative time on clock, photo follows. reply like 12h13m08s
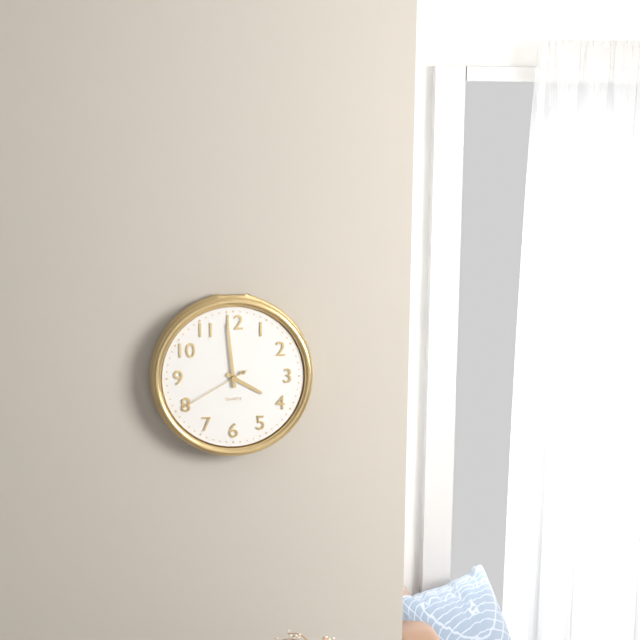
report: 3h59m40s
